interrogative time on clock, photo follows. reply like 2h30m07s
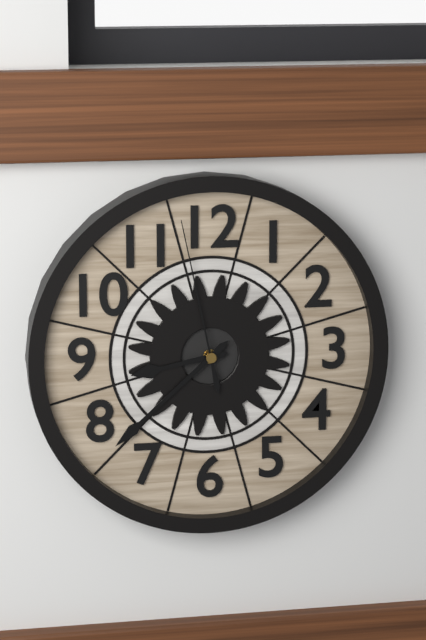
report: 8h38m58s
